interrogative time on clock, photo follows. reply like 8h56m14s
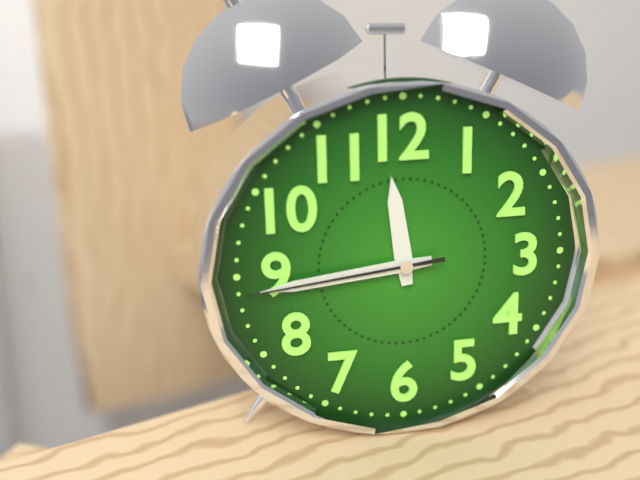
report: 11h44m44s
